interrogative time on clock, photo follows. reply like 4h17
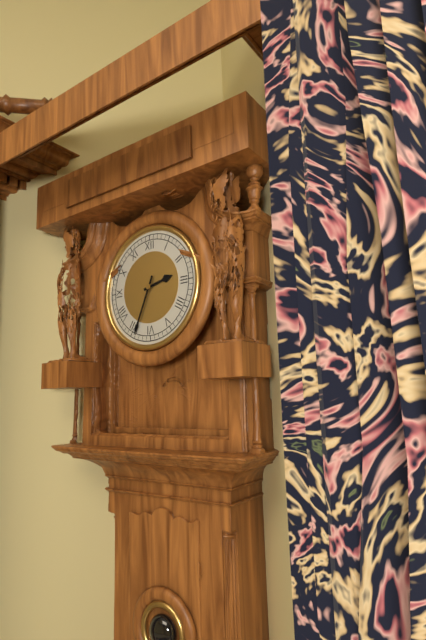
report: 2h34
